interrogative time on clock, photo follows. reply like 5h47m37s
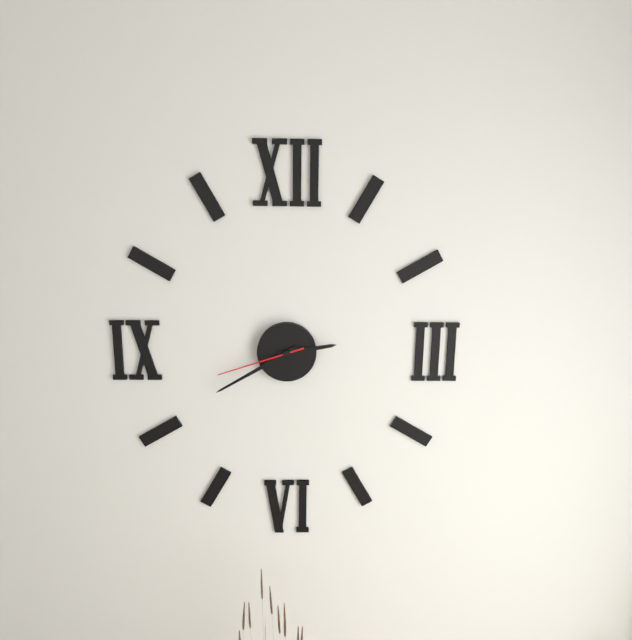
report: 2h40m42s
